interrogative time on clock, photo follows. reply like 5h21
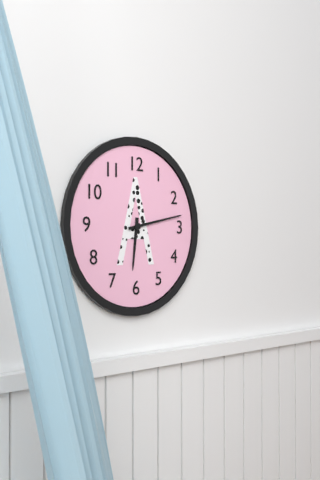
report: 6h13
